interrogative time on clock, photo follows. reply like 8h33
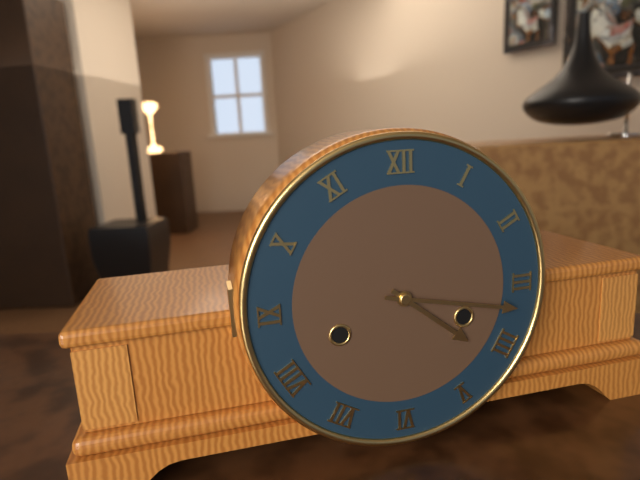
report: 4h17
